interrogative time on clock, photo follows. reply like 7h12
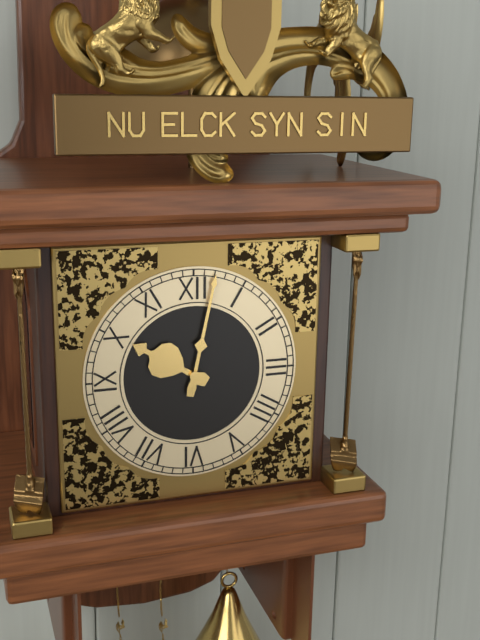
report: 10h02
